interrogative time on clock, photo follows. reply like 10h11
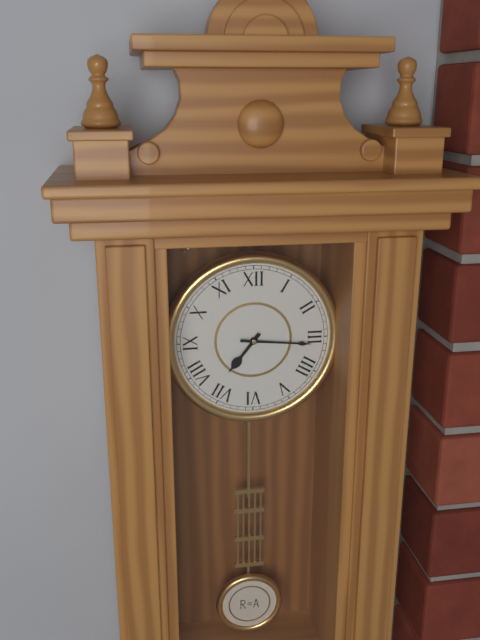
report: 7h16
